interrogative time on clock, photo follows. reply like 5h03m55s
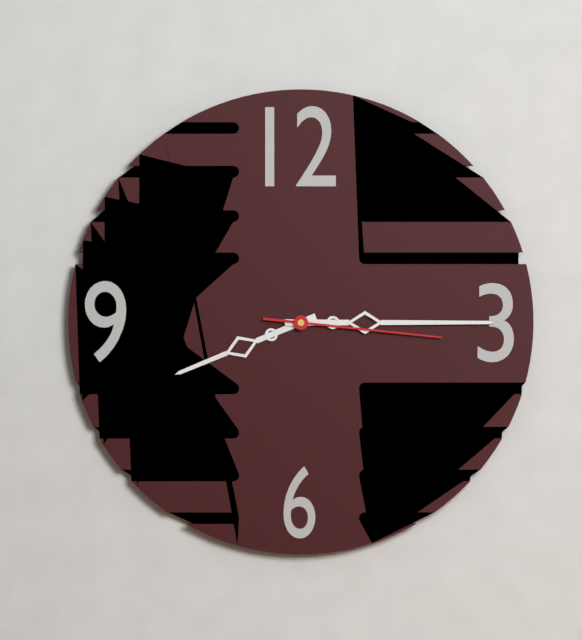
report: 8h15m16s
